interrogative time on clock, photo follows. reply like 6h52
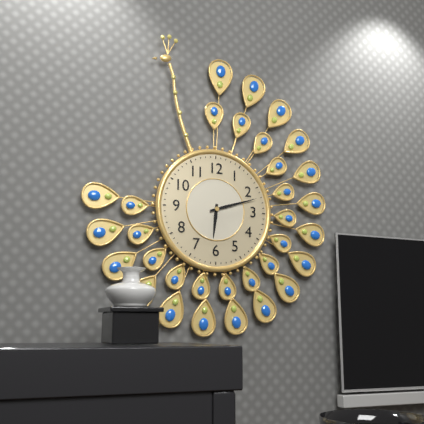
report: 6h12
